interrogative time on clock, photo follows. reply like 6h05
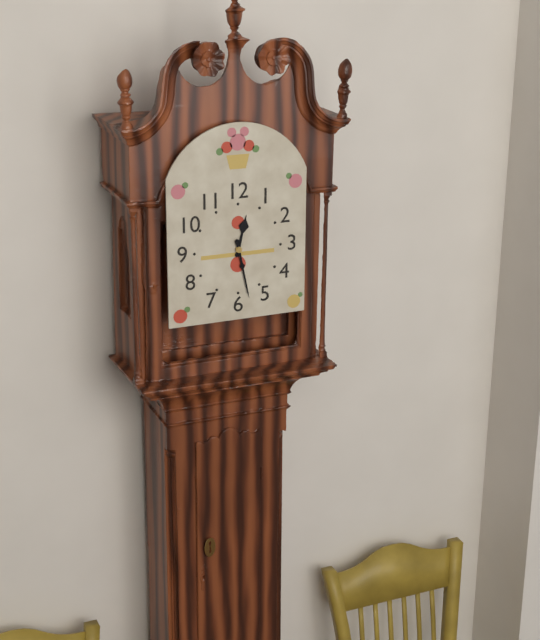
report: 12h28
